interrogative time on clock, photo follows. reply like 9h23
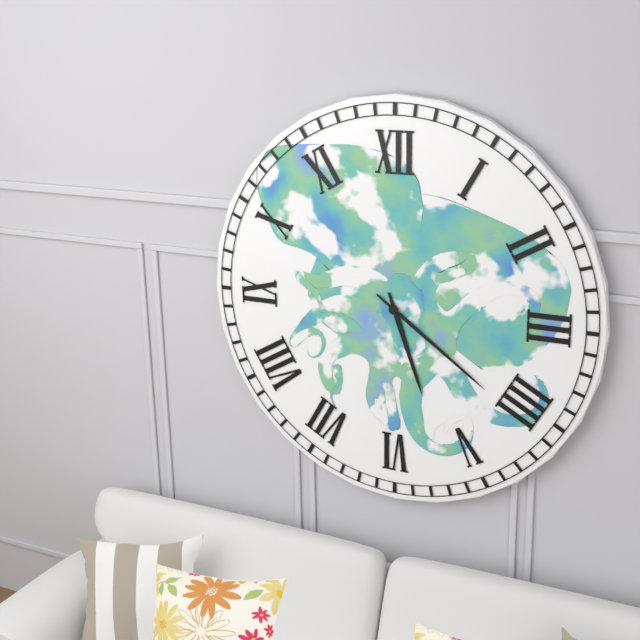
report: 5h21
